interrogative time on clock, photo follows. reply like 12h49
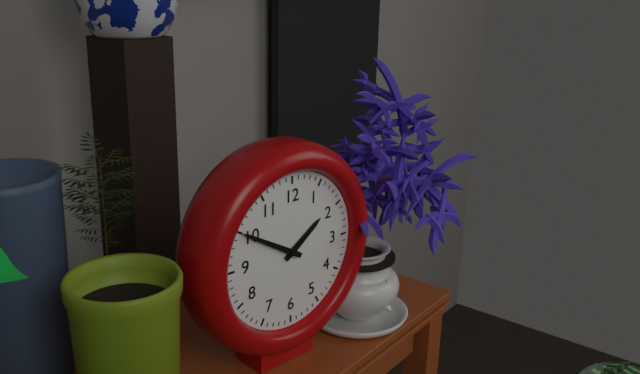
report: 1h50
